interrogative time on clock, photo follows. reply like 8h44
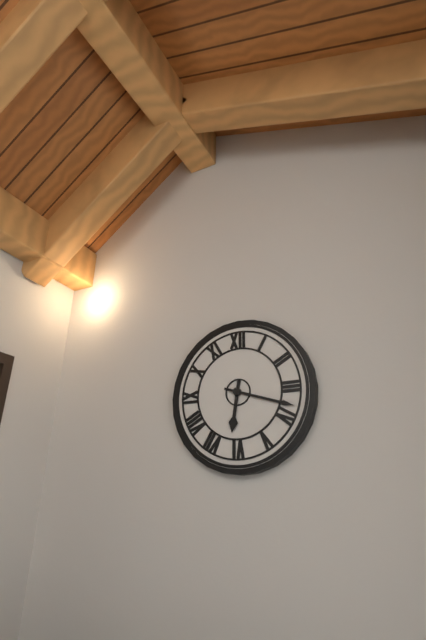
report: 6h18
